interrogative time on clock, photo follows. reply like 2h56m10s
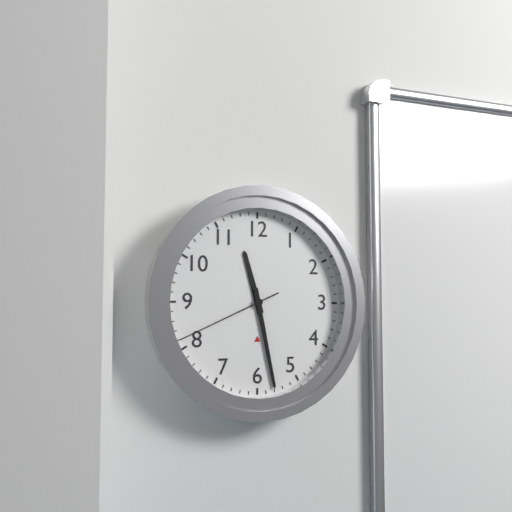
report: 11h28m41s
